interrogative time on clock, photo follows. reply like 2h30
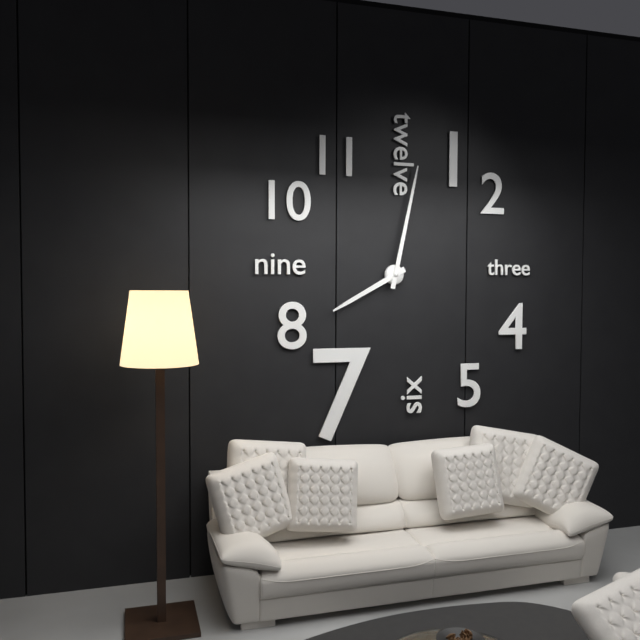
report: 8h02
